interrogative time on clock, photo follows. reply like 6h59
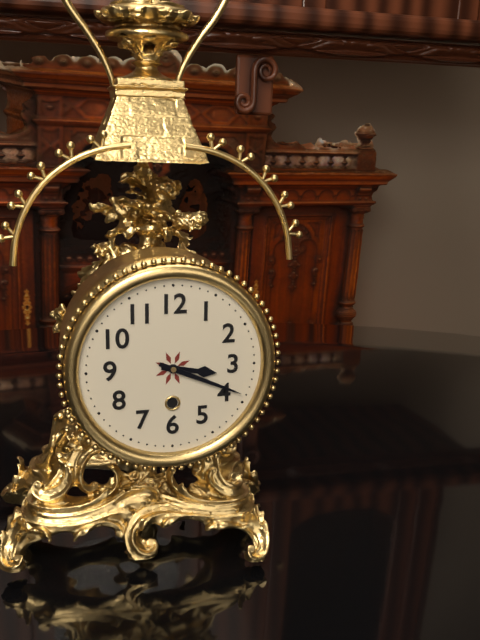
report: 3h19
